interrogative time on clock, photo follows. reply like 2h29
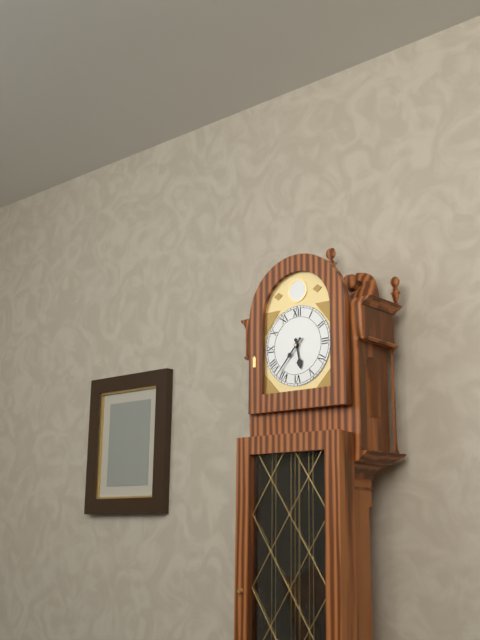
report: 5h37
